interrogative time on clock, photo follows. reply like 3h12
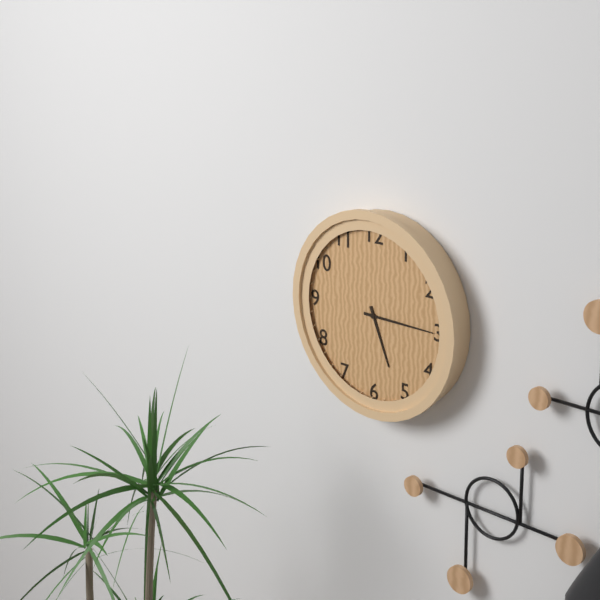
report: 5h15
